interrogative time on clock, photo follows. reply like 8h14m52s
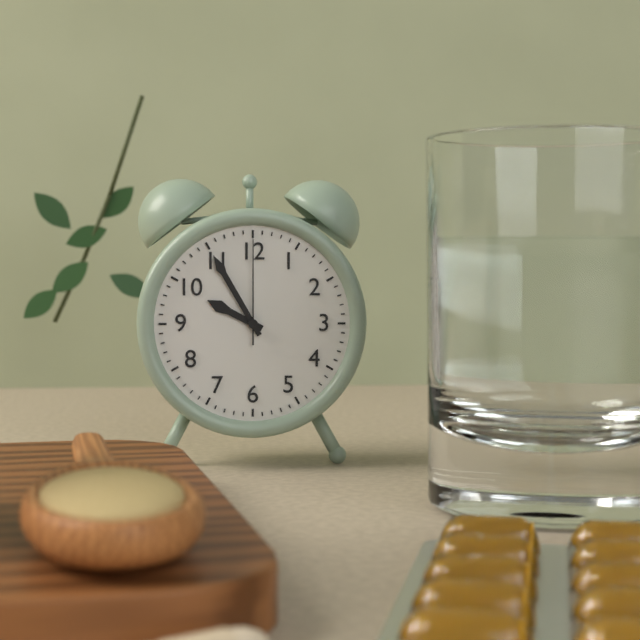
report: 9h55m00s
